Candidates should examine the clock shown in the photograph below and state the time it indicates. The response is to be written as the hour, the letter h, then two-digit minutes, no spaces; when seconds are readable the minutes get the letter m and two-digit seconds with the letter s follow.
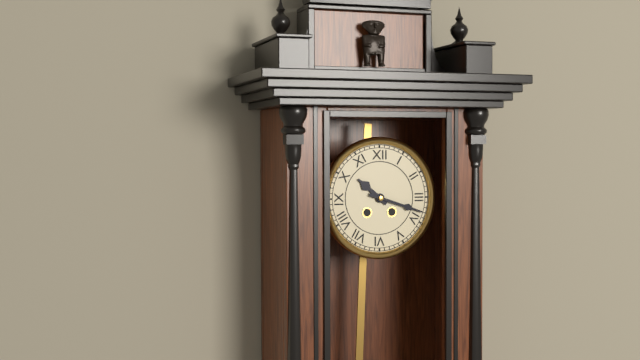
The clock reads 10h18
